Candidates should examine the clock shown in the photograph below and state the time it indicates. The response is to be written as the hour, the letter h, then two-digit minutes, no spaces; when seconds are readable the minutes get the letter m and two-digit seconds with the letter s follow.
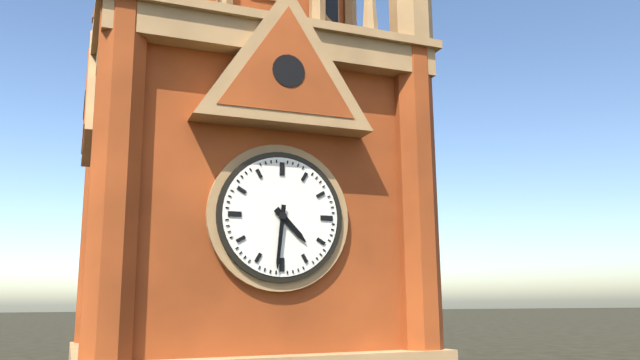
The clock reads 4h31
